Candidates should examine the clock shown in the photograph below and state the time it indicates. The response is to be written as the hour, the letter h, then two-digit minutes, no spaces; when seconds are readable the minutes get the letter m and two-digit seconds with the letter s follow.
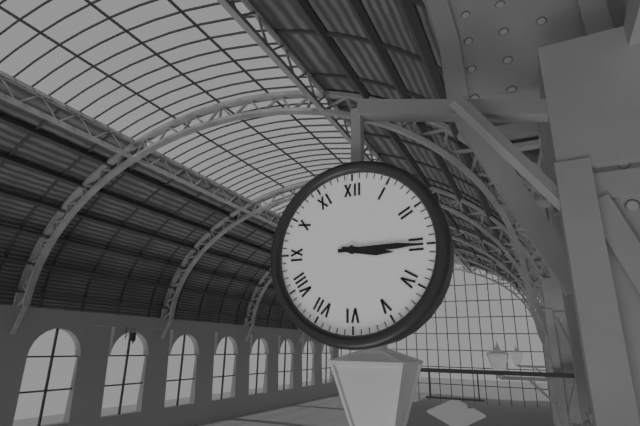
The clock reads 3h15
